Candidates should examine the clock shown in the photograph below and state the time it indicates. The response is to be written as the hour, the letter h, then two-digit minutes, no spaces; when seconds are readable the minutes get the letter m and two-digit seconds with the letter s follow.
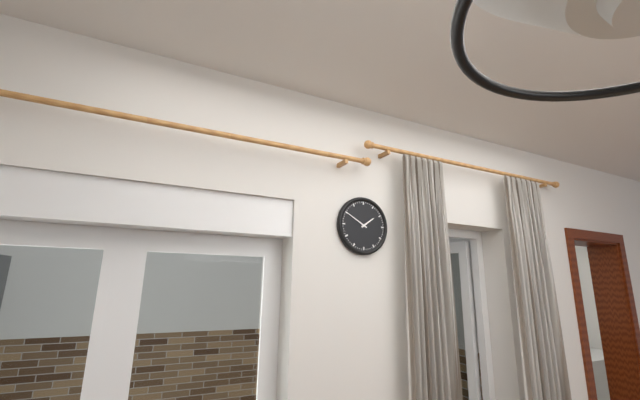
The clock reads 1h50
